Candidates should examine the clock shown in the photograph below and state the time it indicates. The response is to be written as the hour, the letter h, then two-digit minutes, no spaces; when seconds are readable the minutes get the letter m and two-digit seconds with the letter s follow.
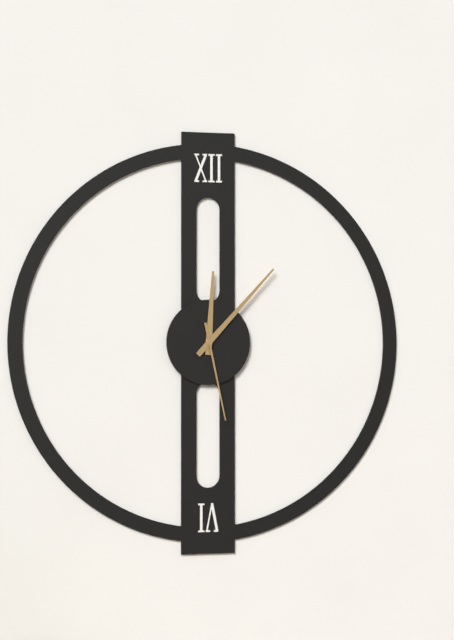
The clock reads 12h07m28s
